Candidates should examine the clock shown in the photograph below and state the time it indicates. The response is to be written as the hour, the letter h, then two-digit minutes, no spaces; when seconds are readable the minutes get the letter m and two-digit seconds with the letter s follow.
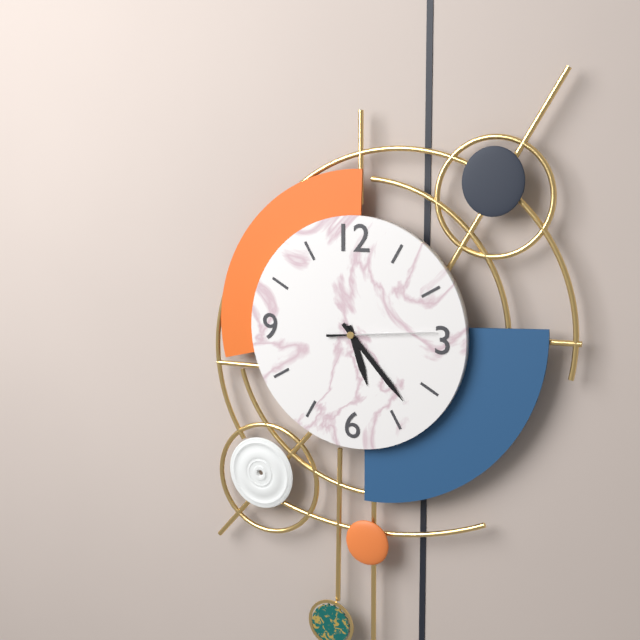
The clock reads 5h23m14s
